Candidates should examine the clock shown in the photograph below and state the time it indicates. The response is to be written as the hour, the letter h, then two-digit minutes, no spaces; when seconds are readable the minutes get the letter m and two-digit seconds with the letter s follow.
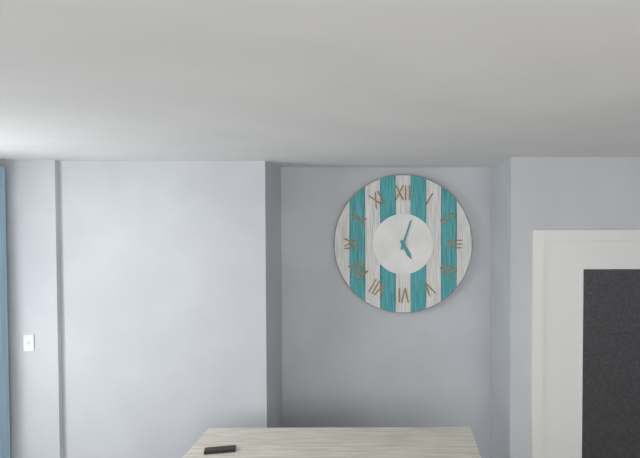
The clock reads 5h03
